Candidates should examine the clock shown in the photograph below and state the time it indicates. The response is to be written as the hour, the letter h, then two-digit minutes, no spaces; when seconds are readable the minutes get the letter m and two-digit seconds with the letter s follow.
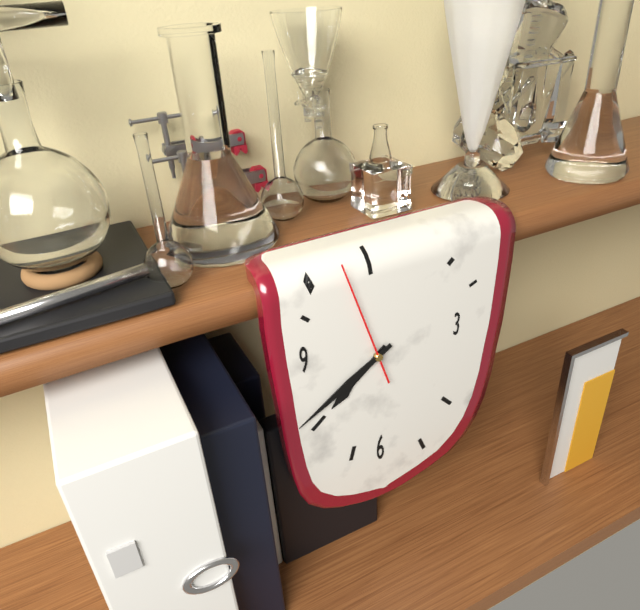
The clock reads 7h40m57s
